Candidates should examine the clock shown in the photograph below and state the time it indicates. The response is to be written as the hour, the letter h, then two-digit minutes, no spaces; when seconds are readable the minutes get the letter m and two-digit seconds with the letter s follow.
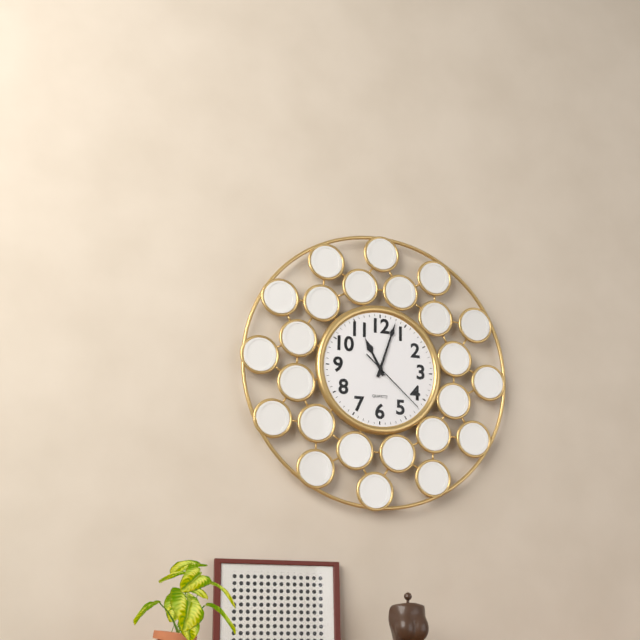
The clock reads 11h03m22s
